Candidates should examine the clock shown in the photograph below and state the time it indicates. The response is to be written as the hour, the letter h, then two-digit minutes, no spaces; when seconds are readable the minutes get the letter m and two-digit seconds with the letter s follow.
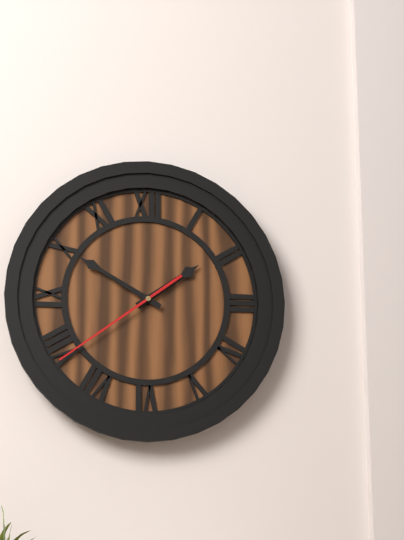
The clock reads 1h50m39s
